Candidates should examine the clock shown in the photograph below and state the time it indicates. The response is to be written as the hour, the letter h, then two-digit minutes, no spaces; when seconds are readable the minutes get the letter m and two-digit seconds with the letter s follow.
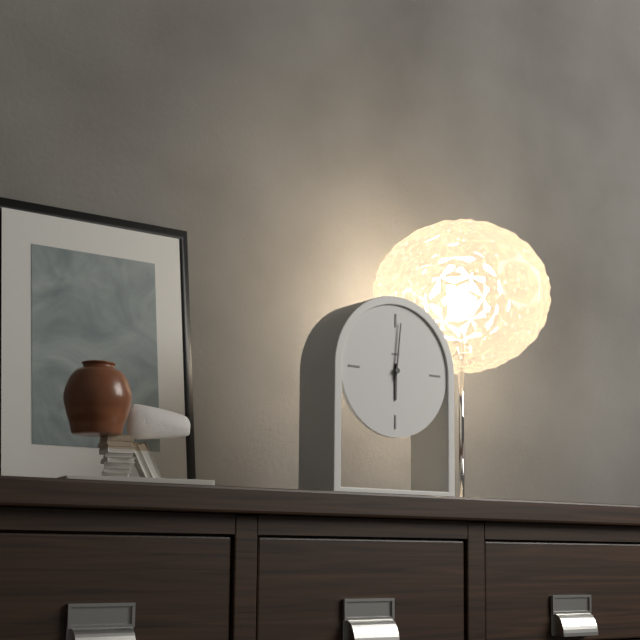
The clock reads 6h01
